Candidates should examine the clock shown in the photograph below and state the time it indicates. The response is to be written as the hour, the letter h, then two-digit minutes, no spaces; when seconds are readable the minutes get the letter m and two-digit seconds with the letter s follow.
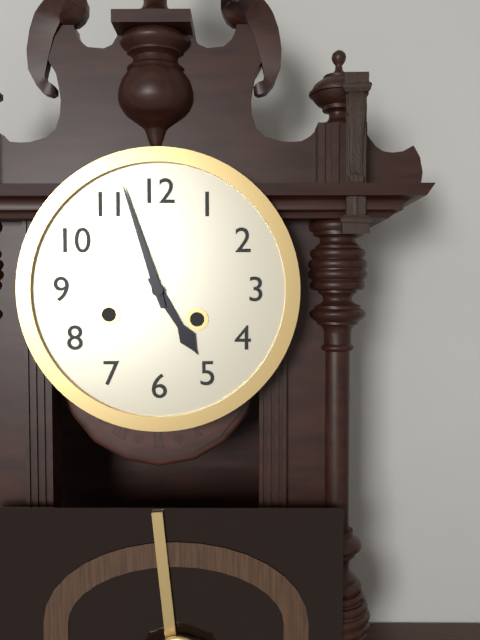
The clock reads 4h57
